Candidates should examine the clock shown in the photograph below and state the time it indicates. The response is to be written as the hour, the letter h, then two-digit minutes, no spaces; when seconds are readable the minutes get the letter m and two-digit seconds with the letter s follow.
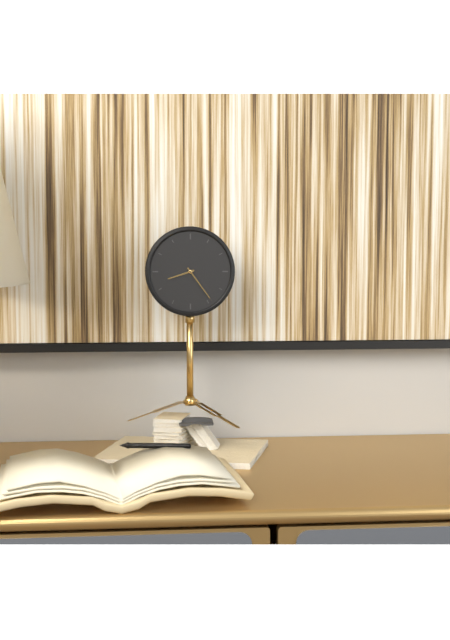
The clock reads 8h24
